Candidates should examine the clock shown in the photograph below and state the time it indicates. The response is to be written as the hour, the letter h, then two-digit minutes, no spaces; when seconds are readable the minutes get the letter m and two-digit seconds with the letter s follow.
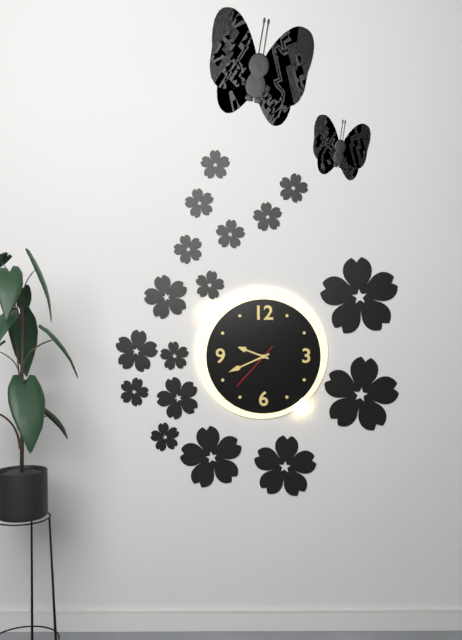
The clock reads 9h41m37s
